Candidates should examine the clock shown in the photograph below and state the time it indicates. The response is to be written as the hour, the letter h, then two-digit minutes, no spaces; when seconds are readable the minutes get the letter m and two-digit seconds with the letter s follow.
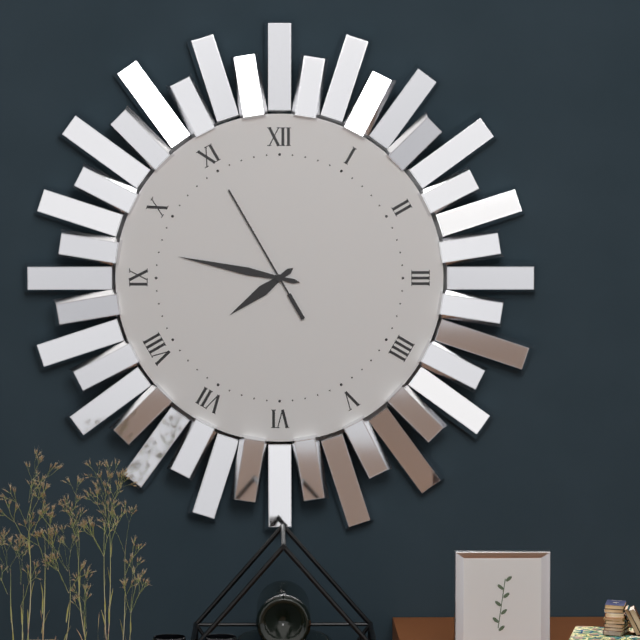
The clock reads 7h47m55s
